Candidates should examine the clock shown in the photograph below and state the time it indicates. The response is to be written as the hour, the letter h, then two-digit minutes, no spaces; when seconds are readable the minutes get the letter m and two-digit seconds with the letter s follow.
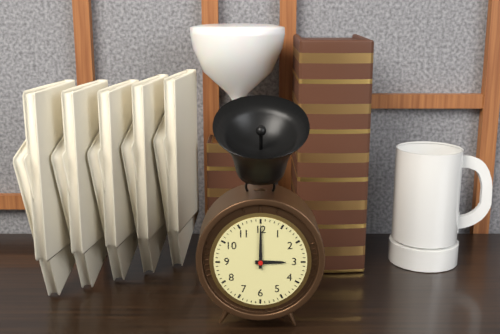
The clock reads 3h00
